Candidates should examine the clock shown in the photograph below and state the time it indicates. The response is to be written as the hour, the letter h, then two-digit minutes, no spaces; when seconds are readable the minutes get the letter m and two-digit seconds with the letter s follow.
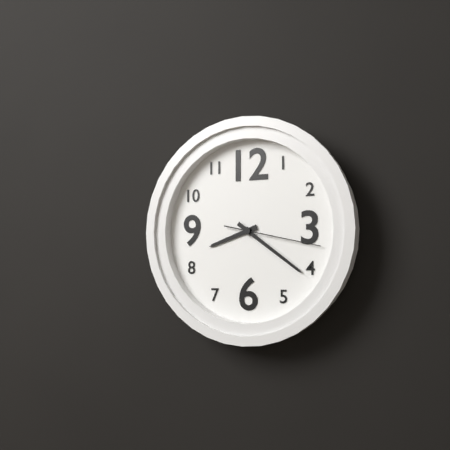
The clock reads 8h21m17s
